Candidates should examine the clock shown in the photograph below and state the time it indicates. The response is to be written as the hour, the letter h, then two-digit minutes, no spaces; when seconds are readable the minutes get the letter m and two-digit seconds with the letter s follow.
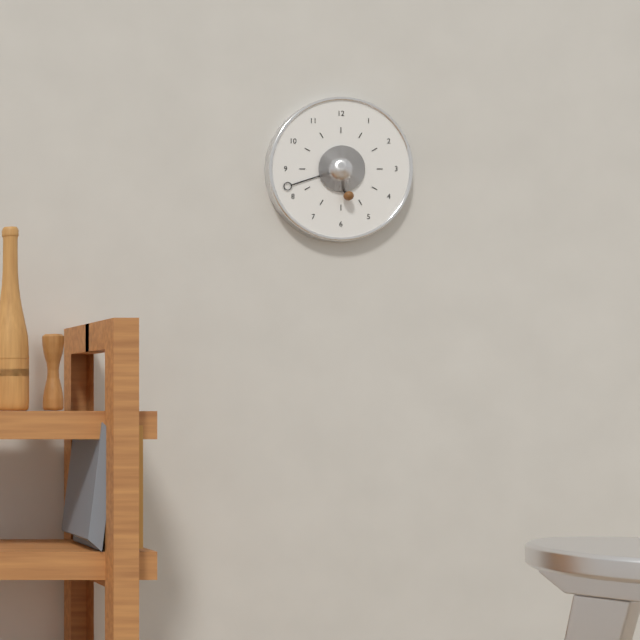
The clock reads 5h42
